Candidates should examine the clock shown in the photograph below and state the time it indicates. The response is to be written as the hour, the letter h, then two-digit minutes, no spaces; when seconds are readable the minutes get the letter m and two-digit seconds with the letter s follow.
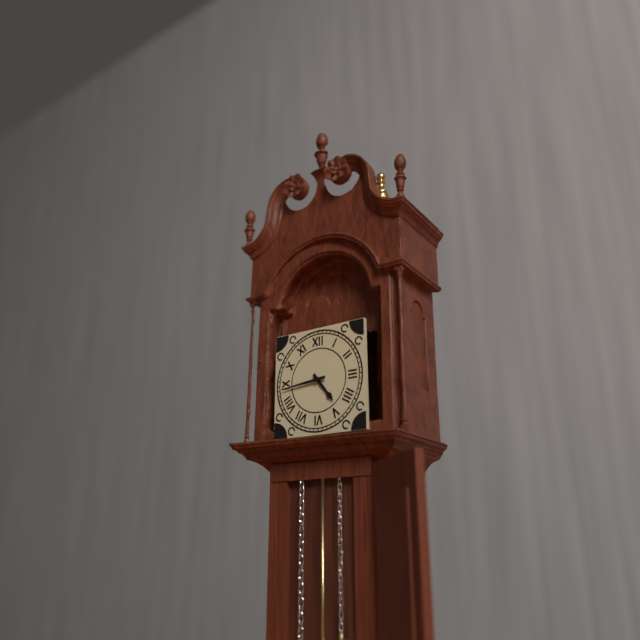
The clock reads 4h44
